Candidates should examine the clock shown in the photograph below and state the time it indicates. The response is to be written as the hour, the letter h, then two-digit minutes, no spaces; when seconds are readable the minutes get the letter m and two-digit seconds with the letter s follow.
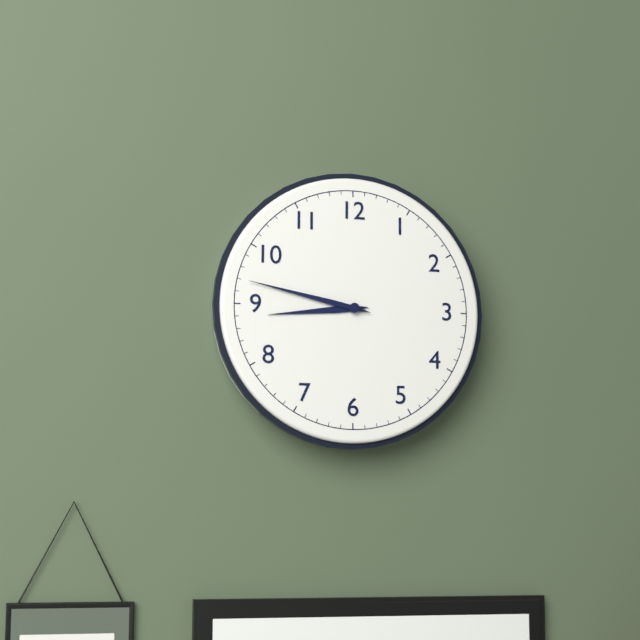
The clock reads 8h47
